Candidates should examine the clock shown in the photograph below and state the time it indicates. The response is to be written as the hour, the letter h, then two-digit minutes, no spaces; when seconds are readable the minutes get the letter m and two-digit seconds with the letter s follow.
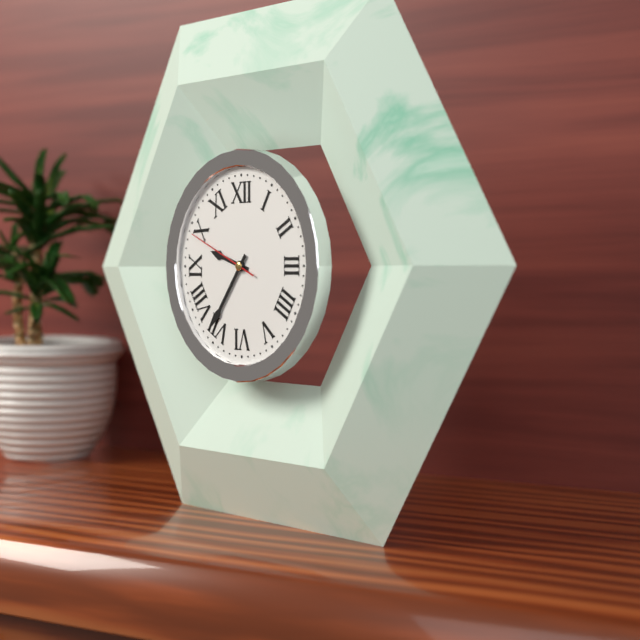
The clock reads 9h36m49s
